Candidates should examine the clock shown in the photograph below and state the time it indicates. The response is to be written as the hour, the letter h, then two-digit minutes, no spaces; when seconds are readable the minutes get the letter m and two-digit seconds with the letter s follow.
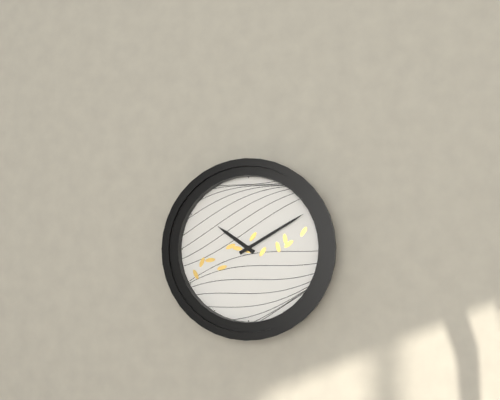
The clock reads 10h10
